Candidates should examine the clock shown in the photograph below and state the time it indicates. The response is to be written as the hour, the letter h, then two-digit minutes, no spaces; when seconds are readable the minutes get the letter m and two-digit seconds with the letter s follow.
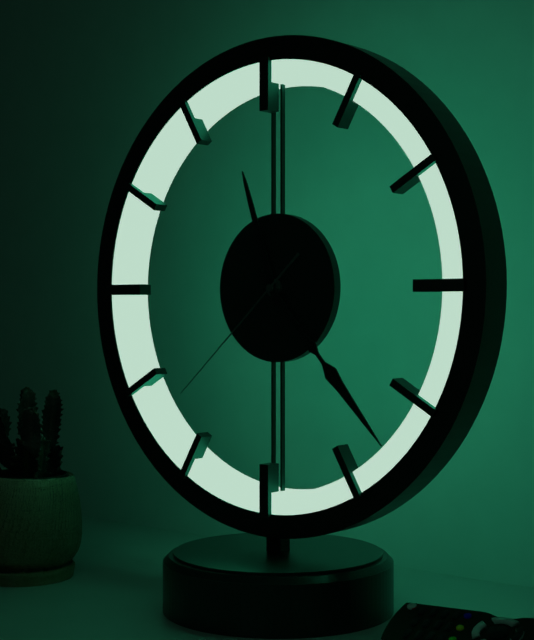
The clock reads 11h23m38s
